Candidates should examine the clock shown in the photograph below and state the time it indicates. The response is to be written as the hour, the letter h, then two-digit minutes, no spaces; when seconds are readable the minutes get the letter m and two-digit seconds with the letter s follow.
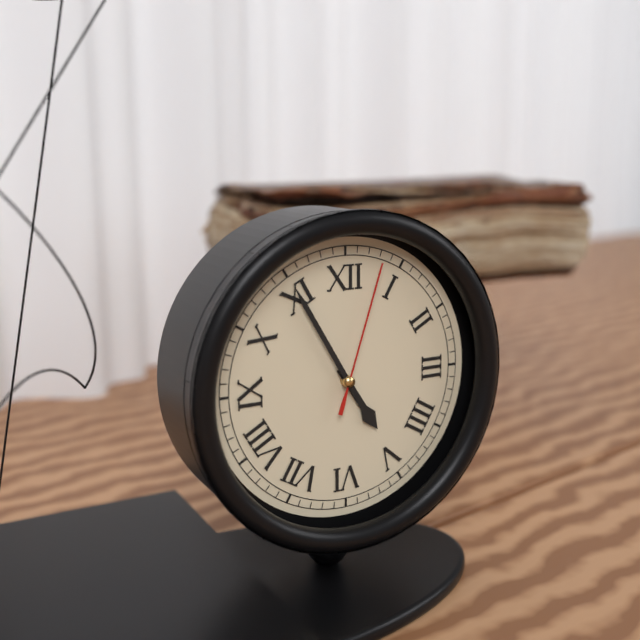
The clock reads 4h55m03s
